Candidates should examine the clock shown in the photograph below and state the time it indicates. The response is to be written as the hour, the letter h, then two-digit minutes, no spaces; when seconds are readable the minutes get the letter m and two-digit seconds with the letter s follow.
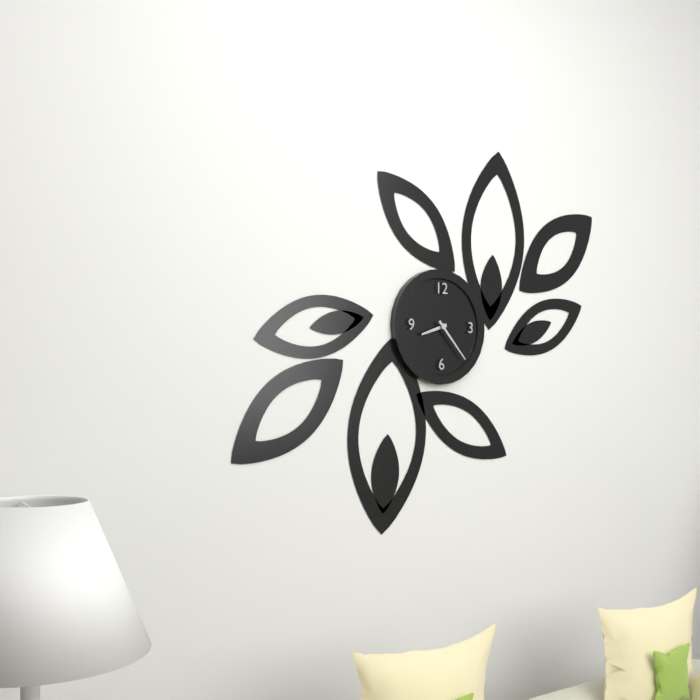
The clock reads 8h23
